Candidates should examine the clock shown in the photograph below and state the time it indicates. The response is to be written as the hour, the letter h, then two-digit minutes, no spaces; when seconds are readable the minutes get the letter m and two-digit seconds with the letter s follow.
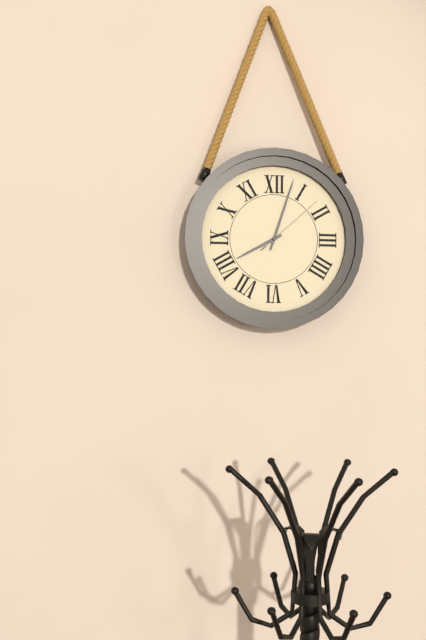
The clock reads 8h03m08s
